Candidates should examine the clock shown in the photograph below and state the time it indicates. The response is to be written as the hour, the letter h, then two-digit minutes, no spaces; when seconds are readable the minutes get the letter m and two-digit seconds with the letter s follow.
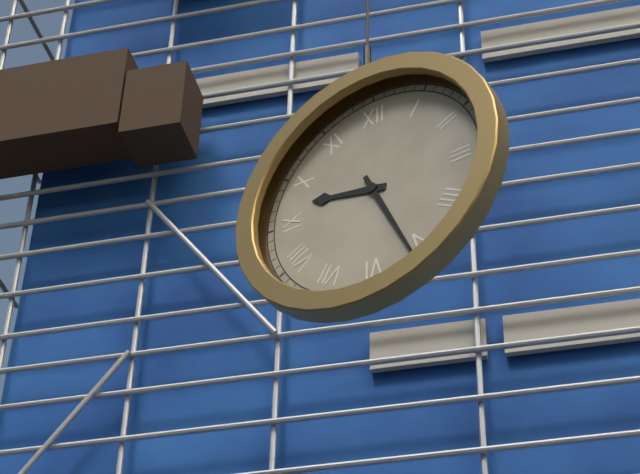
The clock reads 9h26
